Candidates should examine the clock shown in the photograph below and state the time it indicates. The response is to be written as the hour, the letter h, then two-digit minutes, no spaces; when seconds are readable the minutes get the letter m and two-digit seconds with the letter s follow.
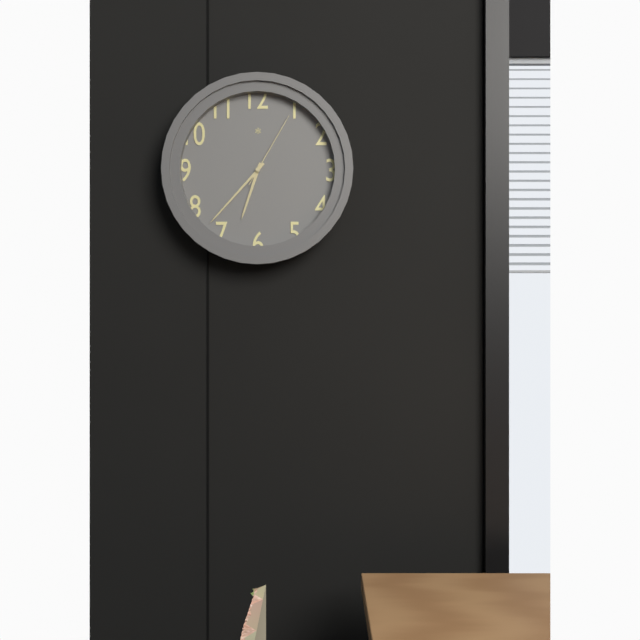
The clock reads 6h37m05s
